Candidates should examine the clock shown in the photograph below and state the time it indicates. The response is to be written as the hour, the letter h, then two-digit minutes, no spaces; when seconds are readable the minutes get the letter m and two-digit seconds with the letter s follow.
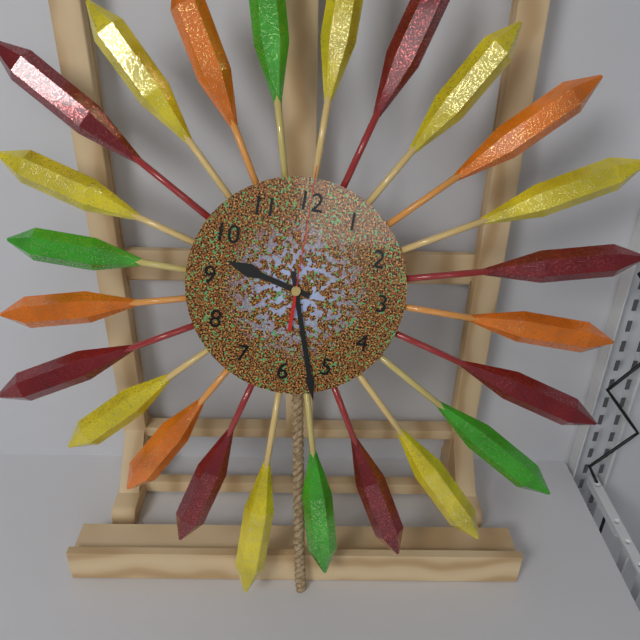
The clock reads 9h27m00s
